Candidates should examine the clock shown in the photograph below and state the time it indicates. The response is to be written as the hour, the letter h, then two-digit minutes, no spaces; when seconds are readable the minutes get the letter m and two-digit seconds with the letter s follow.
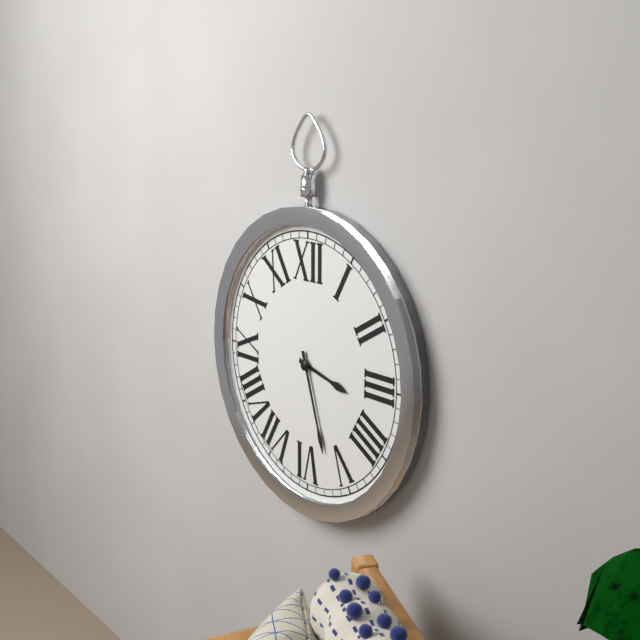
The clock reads 3h27
